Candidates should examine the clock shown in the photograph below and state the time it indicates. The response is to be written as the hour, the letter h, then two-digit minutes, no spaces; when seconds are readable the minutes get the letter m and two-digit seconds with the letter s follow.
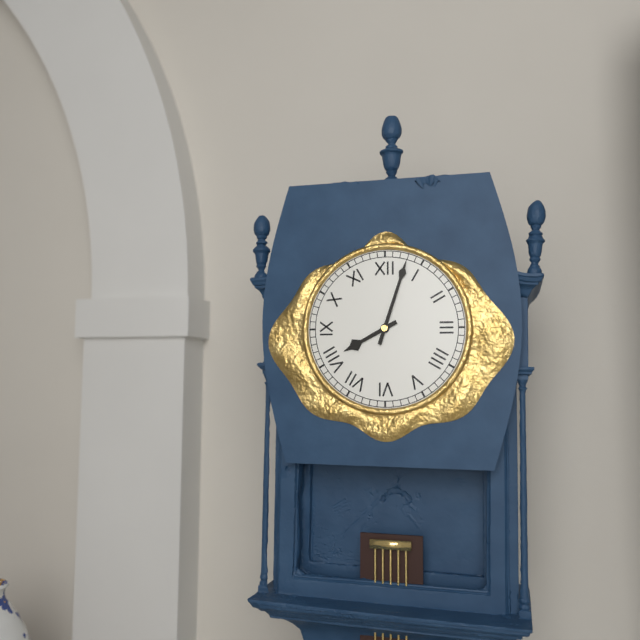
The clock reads 8h03
